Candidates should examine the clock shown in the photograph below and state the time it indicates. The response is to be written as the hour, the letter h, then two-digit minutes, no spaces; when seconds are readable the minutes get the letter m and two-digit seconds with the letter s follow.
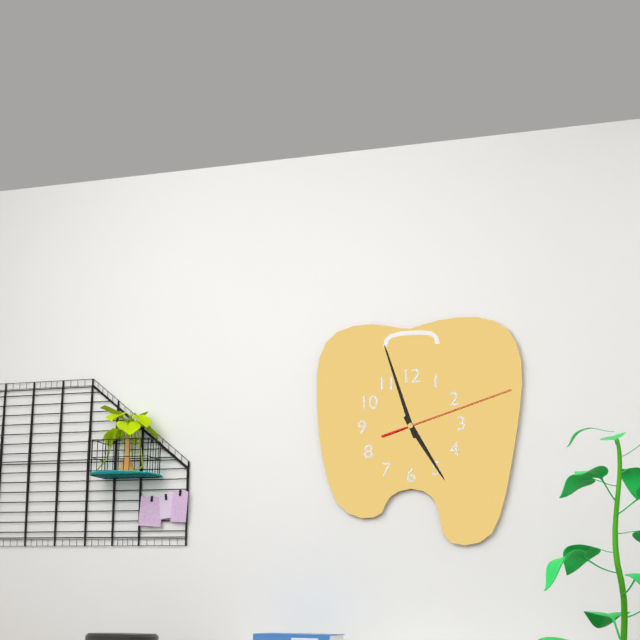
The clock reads 4h57m12s
